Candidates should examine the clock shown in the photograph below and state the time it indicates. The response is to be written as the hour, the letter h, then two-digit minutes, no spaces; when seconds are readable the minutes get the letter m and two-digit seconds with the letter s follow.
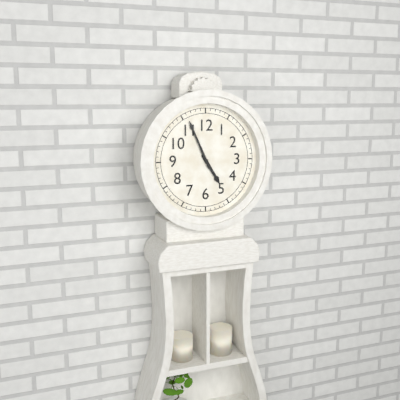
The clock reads 4h56
